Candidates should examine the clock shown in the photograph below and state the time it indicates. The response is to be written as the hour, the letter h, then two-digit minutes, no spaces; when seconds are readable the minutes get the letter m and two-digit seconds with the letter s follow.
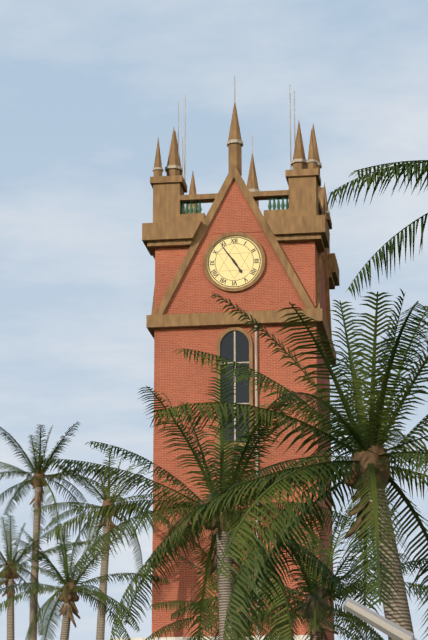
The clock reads 4h54
